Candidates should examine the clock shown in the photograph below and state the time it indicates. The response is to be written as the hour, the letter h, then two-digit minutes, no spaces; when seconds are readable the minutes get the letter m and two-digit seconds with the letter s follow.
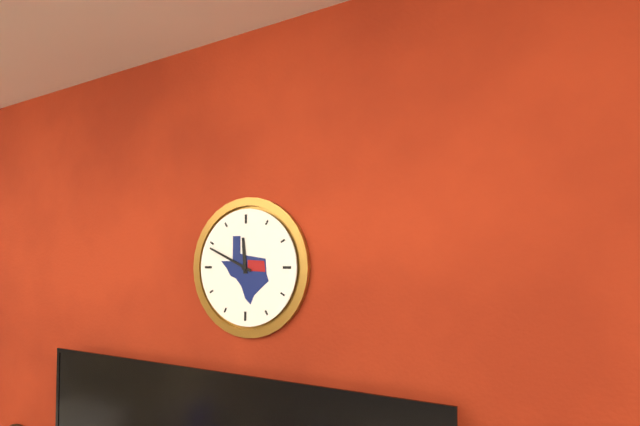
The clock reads 11h49
